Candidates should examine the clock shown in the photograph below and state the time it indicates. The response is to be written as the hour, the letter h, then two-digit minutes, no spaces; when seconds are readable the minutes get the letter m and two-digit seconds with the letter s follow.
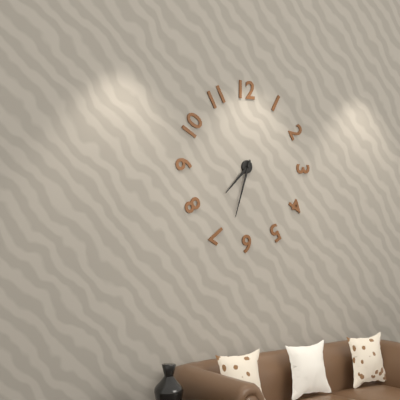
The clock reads 7h33
